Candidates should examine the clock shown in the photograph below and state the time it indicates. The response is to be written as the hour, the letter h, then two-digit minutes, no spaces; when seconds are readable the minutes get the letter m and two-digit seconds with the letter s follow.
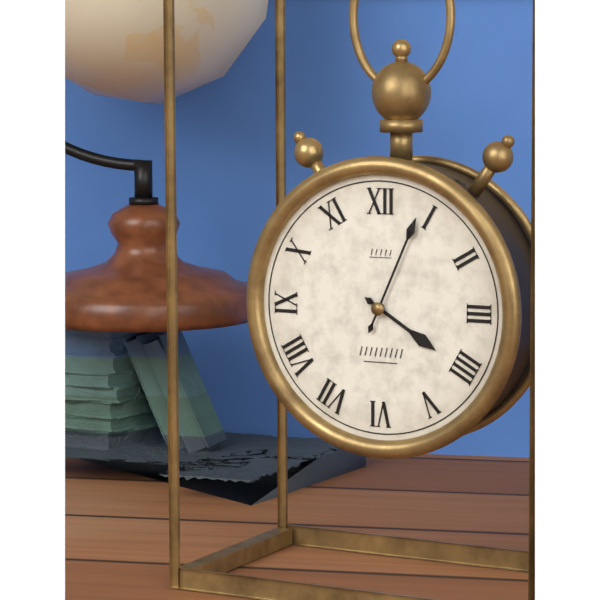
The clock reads 4h04
